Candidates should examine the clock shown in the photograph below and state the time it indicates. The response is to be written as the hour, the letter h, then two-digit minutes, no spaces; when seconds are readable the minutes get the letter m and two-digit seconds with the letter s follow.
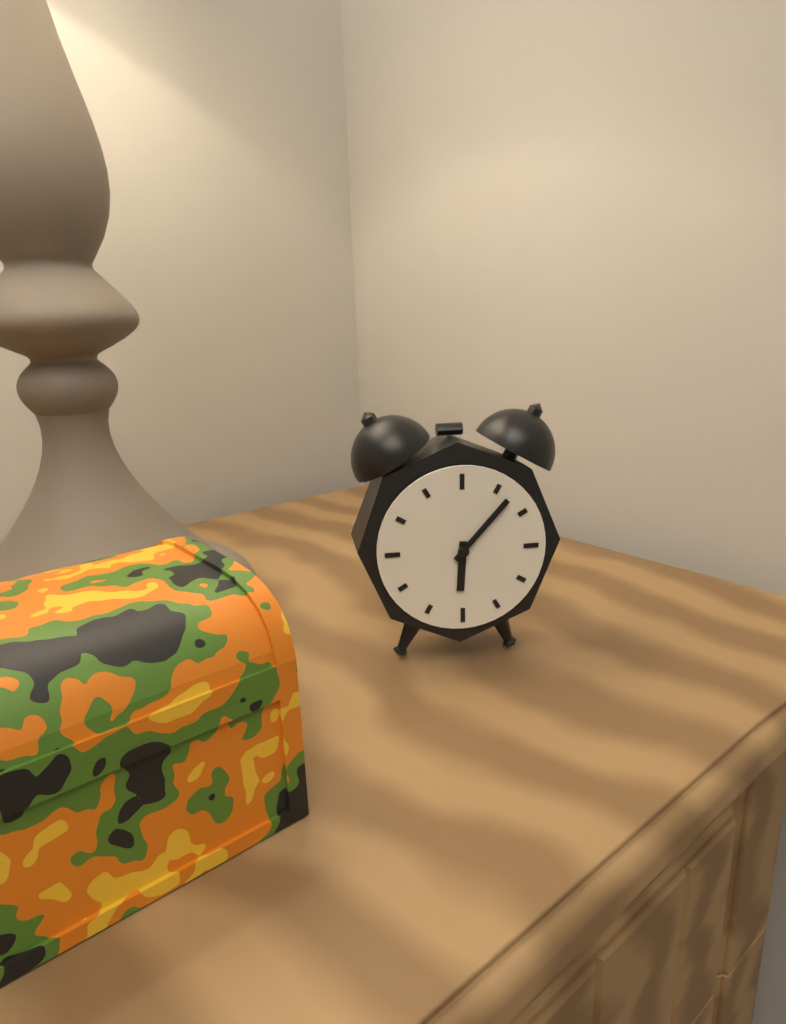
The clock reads 6h07
